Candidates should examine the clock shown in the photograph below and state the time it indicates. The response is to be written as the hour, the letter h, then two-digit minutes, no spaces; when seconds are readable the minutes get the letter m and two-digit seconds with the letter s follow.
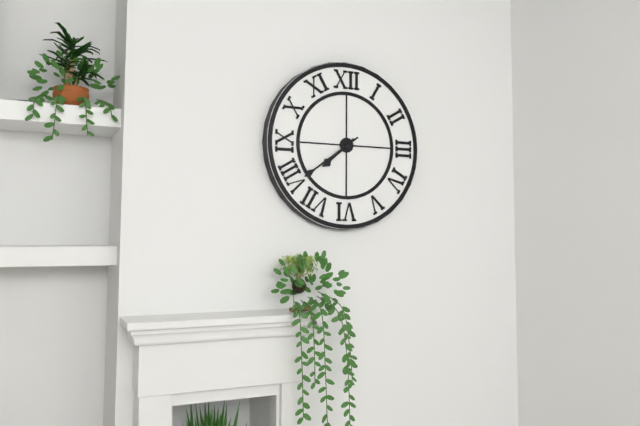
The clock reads 7h39
